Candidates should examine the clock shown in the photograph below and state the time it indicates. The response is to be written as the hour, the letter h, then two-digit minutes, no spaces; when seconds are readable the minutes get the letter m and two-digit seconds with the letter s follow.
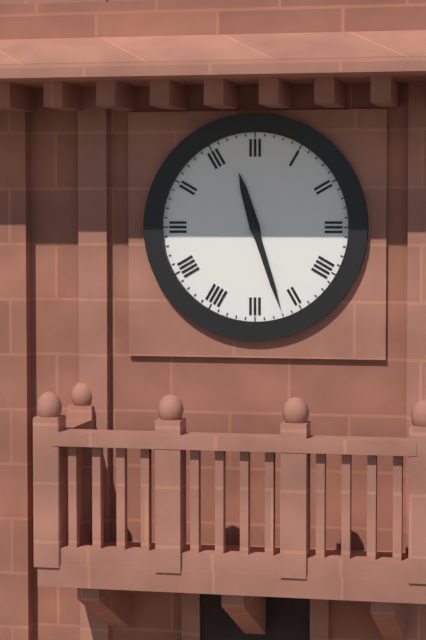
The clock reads 11h27
